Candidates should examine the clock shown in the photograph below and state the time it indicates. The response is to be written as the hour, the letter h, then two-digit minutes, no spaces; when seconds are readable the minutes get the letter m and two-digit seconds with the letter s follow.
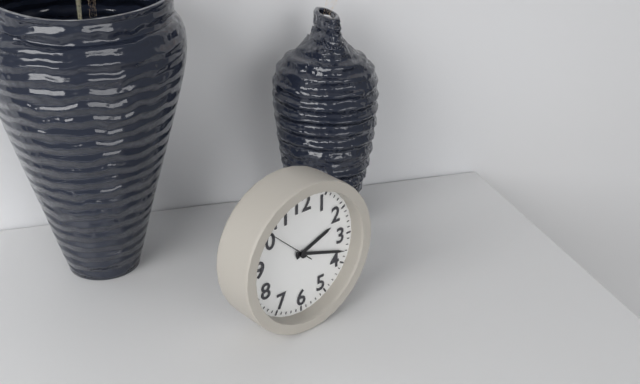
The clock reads 2h18
